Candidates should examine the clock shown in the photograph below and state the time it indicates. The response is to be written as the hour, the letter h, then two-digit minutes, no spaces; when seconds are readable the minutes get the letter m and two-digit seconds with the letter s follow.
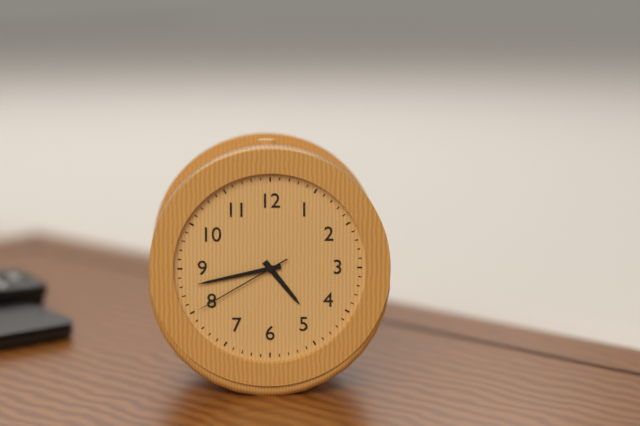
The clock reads 4h43m40s
